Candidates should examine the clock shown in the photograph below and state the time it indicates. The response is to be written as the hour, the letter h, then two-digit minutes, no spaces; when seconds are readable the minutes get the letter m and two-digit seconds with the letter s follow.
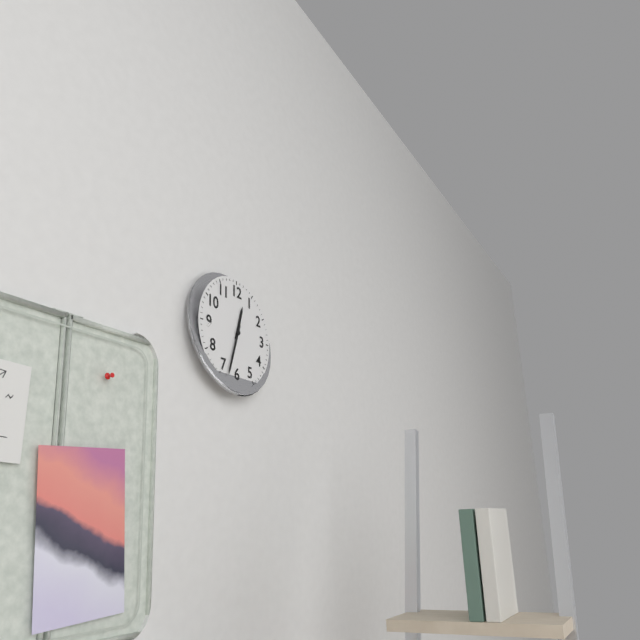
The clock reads 12h33
